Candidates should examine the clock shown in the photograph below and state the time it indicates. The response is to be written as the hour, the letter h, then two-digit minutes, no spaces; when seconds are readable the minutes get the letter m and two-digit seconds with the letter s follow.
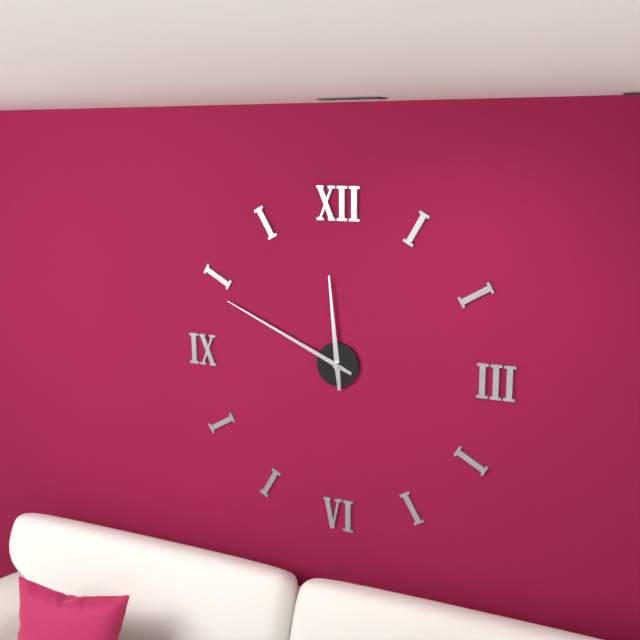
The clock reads 11h49
